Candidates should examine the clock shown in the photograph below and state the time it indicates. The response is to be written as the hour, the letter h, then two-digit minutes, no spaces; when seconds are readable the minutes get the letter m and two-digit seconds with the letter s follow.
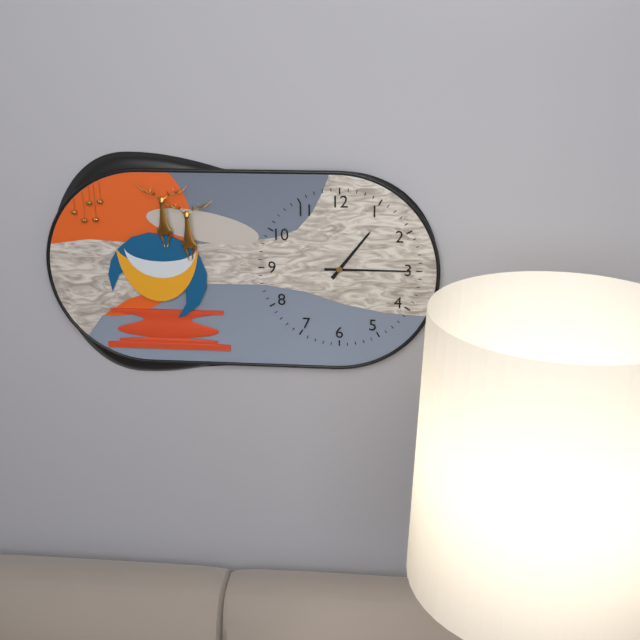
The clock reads 1h15
